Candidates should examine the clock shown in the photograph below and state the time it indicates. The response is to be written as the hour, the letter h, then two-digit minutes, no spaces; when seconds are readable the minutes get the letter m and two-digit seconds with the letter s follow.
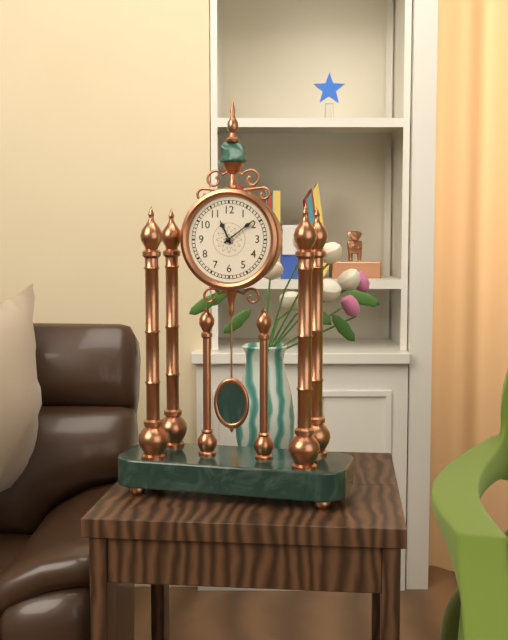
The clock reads 11h09
